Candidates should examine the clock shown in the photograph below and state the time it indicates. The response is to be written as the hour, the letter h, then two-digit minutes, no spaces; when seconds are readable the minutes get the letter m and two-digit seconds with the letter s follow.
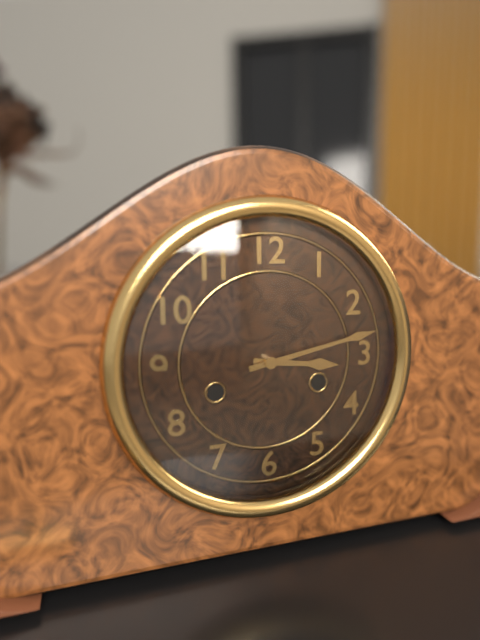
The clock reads 3h13
